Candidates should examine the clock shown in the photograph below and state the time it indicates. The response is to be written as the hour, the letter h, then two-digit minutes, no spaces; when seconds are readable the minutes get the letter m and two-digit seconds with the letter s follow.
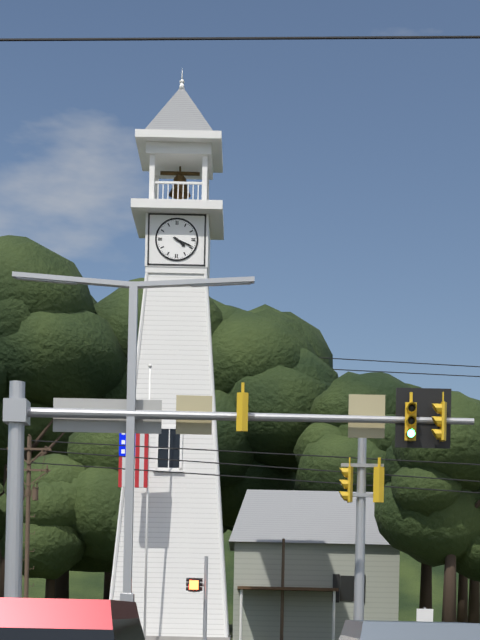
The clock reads 4h19
